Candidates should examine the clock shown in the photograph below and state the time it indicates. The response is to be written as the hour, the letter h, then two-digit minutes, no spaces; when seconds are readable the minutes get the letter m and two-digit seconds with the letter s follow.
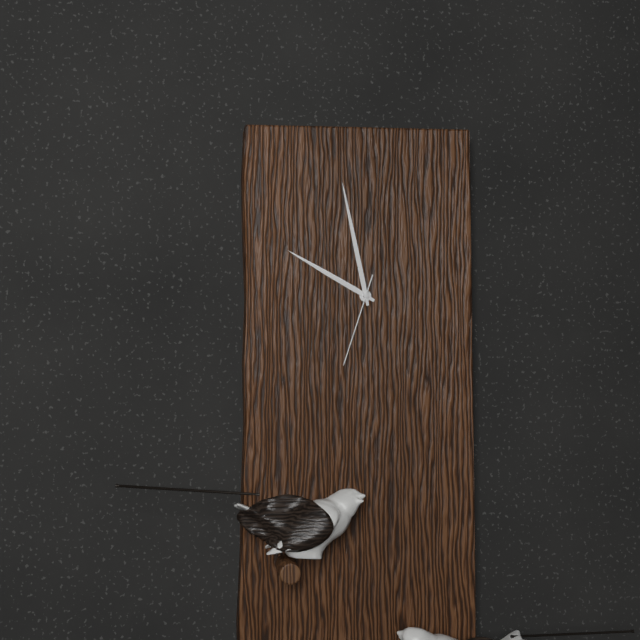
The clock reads 9h58m33s
